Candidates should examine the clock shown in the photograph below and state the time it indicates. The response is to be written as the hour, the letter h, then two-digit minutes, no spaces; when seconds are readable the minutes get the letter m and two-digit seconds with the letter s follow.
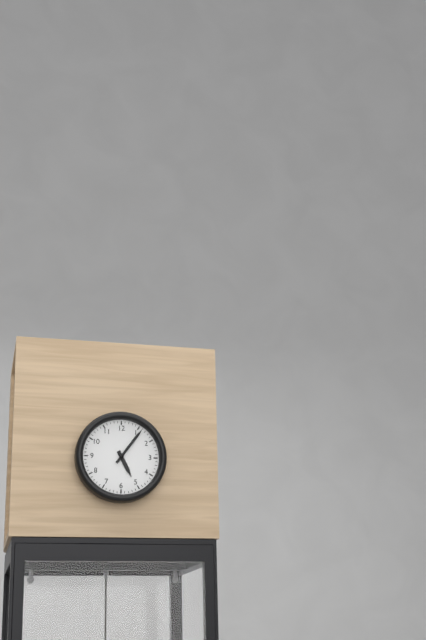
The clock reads 5h06
